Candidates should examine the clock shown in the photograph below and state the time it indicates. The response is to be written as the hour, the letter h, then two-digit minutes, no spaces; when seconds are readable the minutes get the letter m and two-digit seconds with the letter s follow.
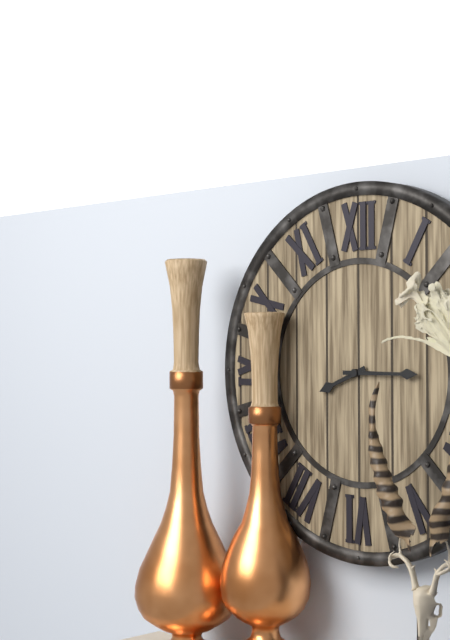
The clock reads 8h15
